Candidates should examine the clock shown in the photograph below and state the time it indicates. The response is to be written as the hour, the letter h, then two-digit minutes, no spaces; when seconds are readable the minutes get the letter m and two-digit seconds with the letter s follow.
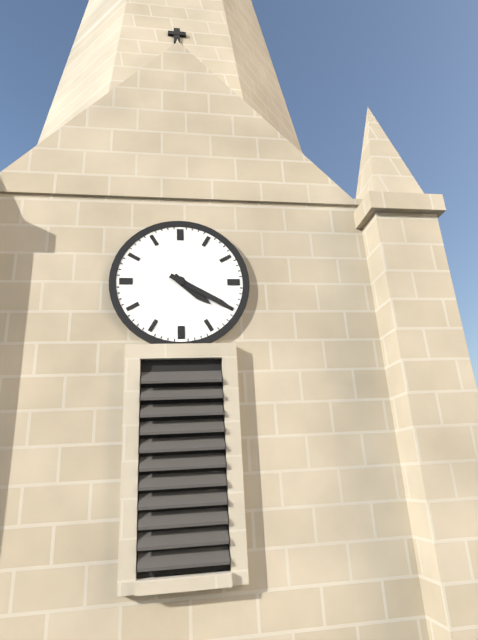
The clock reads 4h20
